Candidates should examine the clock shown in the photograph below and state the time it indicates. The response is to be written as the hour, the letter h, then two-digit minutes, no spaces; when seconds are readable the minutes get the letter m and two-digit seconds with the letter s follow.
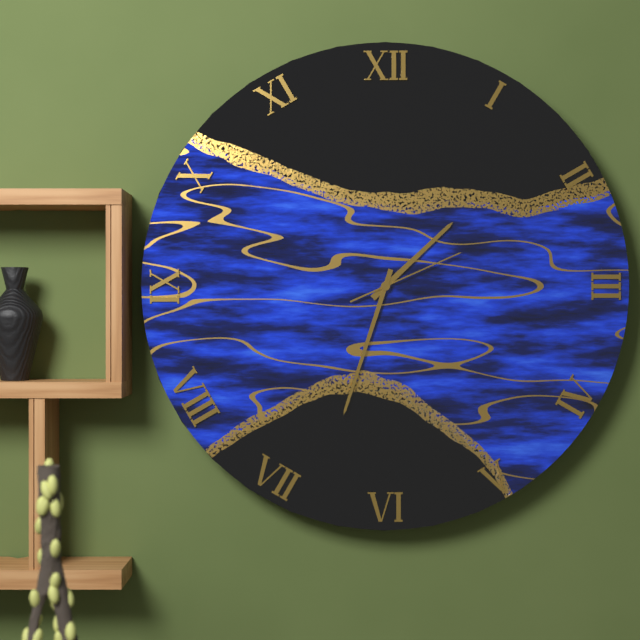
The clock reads 1h33m11s
